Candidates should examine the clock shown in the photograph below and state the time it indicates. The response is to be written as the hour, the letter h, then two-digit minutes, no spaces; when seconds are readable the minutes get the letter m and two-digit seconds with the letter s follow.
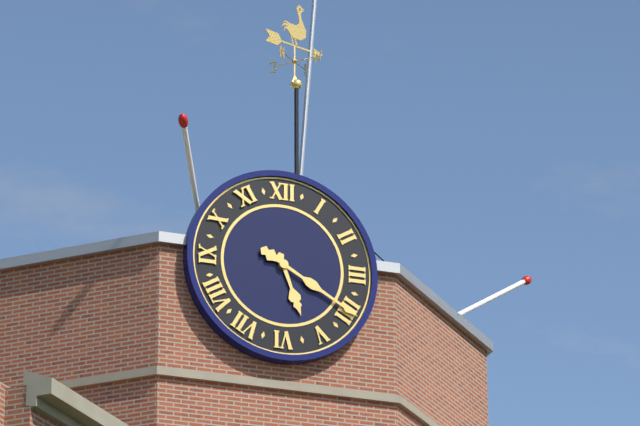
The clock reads 5h20
